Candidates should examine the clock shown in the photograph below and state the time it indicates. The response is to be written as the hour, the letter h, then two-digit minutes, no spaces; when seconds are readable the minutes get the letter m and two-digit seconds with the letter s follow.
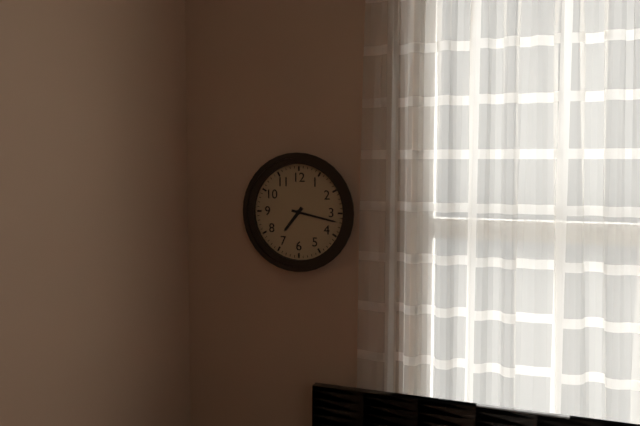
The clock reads 7h17
